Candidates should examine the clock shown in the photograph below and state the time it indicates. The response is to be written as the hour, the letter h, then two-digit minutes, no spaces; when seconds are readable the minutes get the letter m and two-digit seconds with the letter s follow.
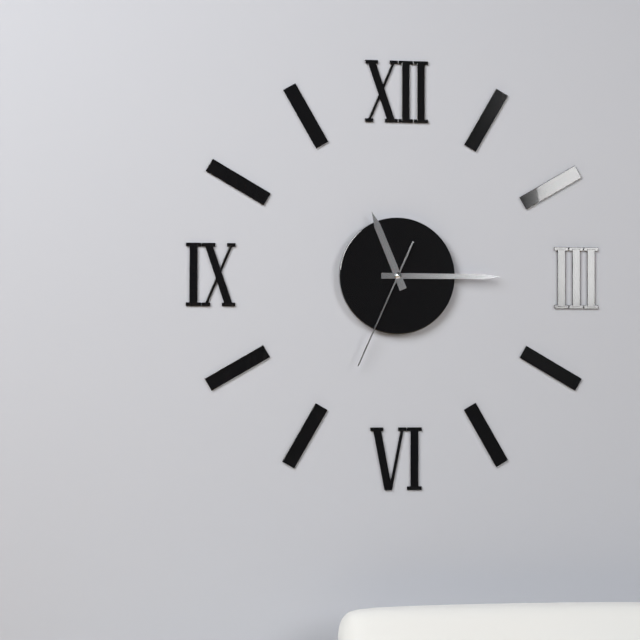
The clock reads 11h15m34s
